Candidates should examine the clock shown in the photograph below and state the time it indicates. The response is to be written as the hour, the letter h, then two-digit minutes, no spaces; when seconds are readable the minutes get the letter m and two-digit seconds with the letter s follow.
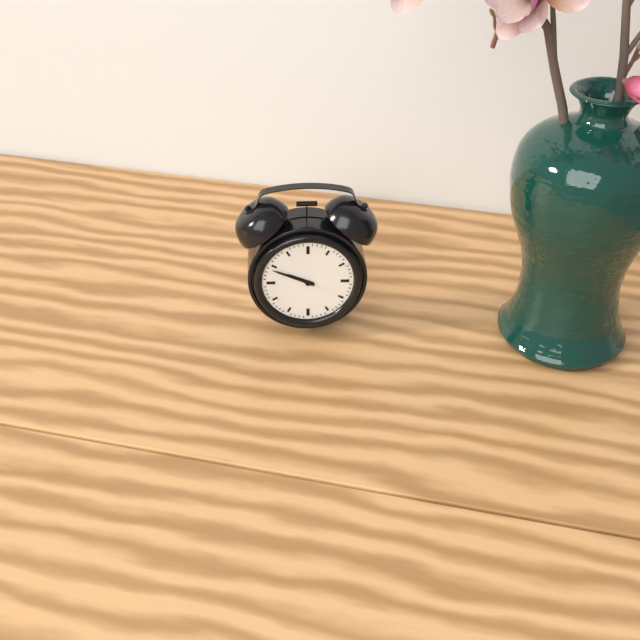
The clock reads 9h49
